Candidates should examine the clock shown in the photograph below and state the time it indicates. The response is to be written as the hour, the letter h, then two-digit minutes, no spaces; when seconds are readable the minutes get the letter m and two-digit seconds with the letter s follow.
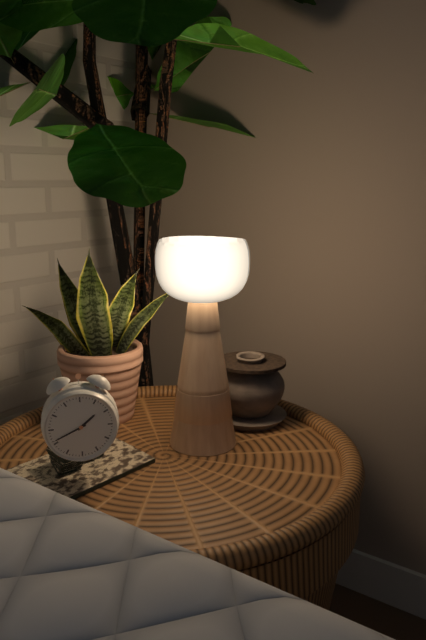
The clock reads 1h41
